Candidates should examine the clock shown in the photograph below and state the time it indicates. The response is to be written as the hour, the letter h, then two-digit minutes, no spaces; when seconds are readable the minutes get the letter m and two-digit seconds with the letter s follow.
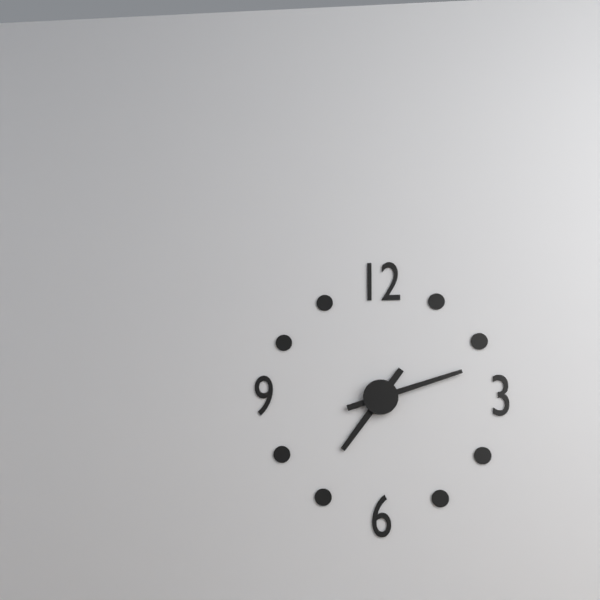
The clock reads 7h12
